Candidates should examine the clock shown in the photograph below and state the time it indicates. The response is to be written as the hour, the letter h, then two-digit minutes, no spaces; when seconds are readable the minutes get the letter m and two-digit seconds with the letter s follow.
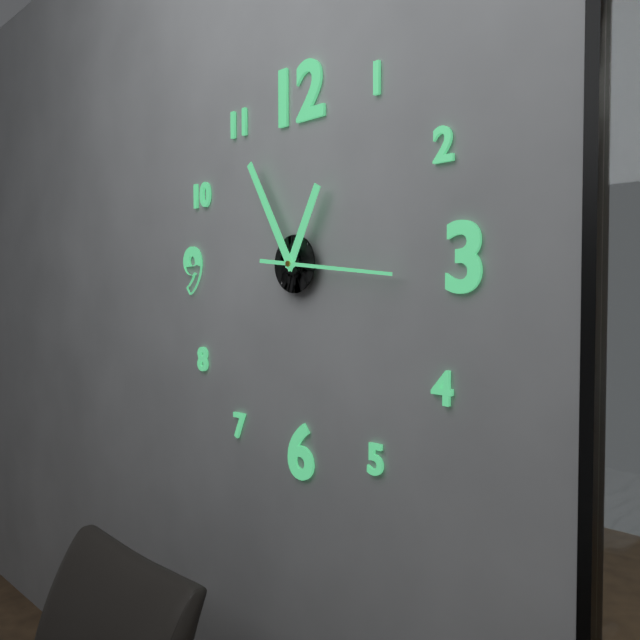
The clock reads 12h55m16s
